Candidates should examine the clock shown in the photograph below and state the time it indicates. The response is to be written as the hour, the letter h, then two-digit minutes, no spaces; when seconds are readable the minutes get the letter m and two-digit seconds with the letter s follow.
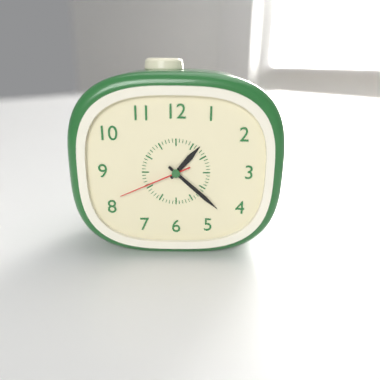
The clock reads 1h22m41s
